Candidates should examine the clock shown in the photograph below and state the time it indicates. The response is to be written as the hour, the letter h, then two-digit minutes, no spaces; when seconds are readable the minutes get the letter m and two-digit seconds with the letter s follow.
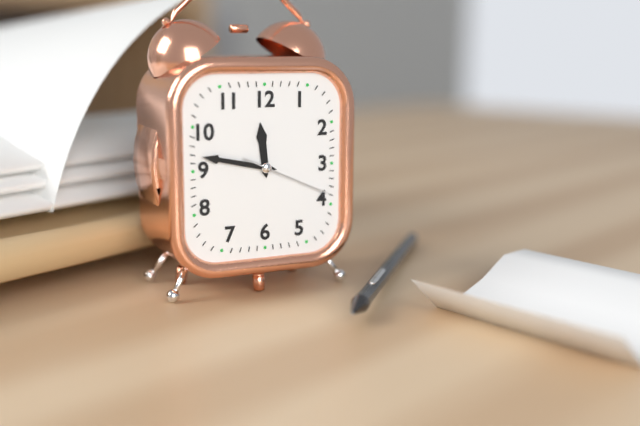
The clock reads 11h47m19s
